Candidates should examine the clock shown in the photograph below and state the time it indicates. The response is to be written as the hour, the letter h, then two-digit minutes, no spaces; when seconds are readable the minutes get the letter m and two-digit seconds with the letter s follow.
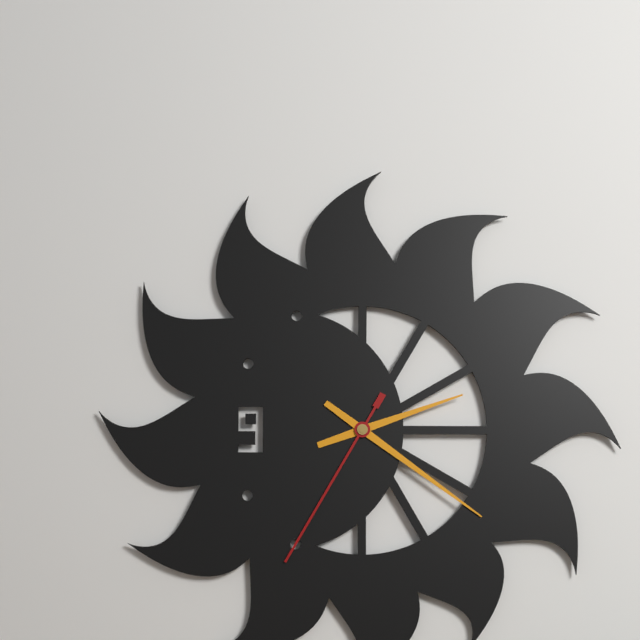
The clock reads 2h21m35s
